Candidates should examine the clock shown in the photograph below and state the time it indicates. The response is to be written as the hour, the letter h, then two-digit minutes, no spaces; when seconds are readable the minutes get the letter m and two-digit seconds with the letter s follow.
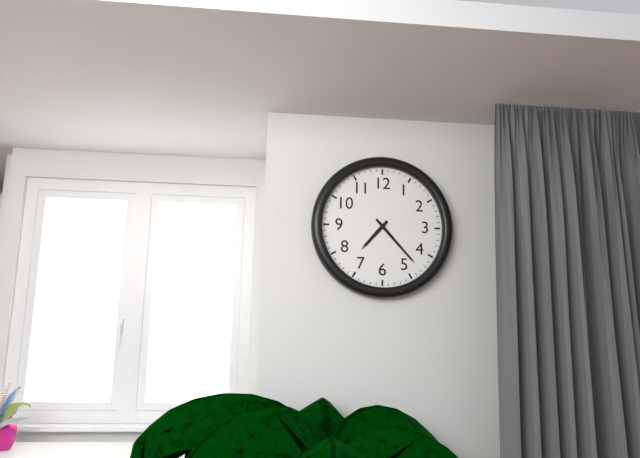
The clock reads 7h23
